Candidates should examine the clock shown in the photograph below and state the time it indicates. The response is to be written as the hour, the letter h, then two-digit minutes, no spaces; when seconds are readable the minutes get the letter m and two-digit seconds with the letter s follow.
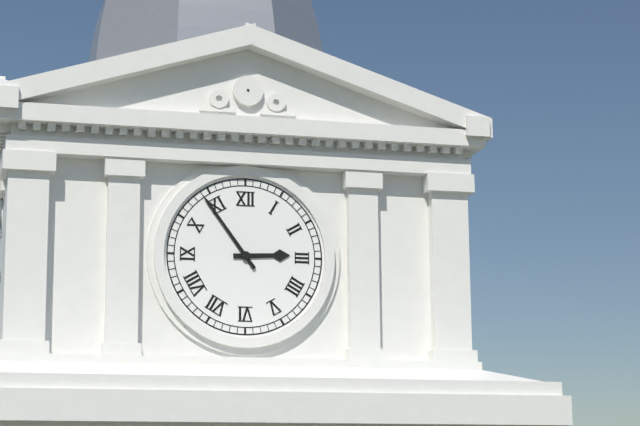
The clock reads 2h54
